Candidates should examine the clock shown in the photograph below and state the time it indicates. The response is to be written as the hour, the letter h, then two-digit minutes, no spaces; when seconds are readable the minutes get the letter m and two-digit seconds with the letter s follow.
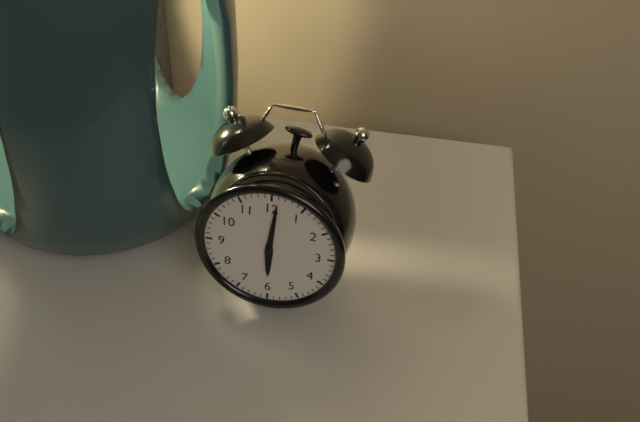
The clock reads 6h01
